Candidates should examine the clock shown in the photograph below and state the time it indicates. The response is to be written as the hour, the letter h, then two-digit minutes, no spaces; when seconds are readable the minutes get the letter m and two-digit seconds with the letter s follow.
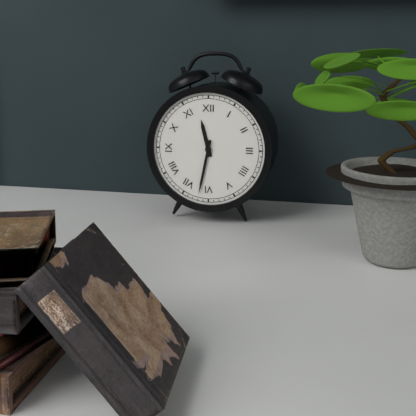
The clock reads 11h32
